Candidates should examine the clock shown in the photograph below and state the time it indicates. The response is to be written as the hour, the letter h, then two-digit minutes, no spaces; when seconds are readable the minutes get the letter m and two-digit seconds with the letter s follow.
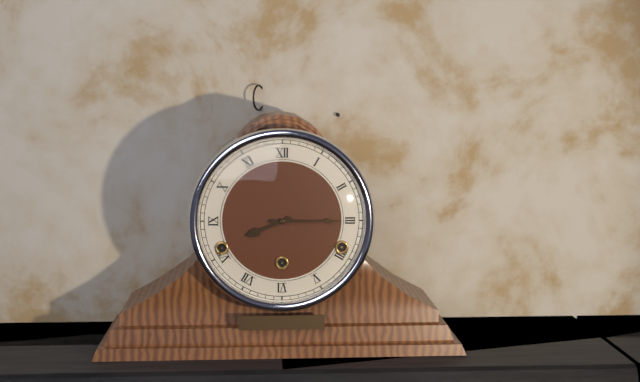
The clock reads 8h15
